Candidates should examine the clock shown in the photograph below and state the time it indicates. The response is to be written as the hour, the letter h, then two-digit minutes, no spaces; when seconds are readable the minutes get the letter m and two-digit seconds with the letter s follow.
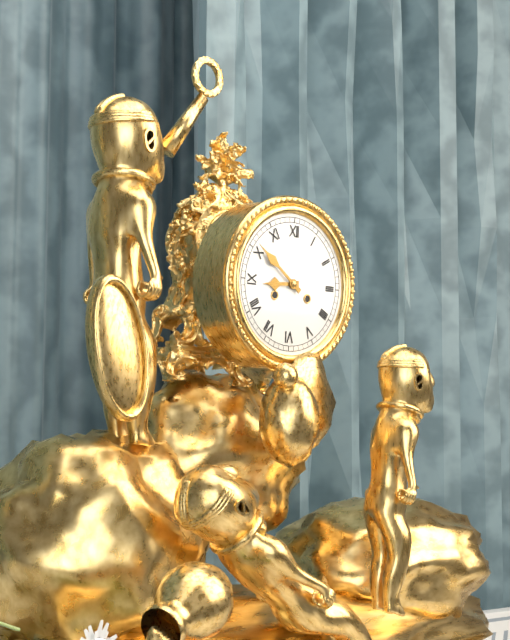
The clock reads 8h51
